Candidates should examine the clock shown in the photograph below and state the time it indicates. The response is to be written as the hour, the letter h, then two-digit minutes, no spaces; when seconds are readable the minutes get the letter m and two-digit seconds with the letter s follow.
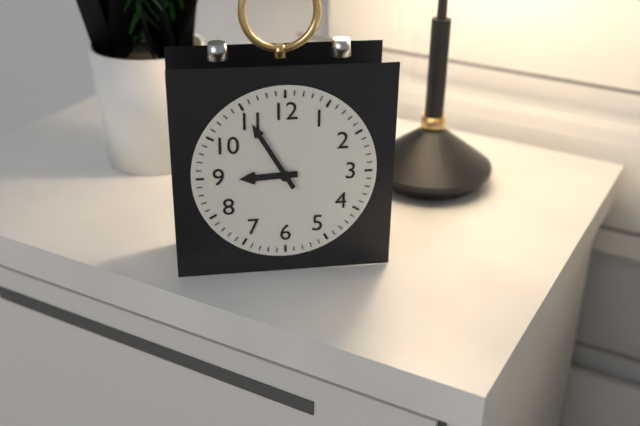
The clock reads 8h55
